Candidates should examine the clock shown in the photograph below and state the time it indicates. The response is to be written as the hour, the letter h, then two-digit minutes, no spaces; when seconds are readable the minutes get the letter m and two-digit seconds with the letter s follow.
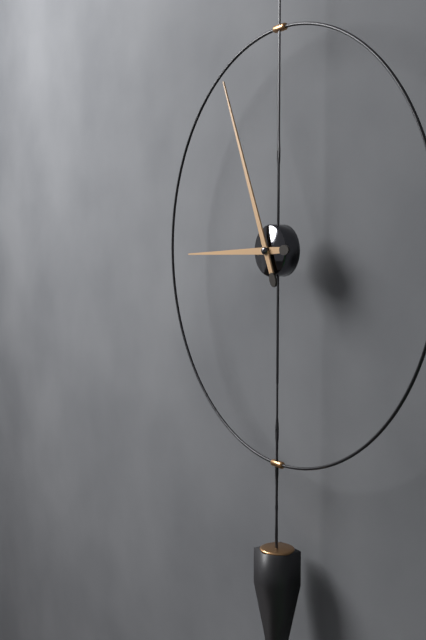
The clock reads 8h56
